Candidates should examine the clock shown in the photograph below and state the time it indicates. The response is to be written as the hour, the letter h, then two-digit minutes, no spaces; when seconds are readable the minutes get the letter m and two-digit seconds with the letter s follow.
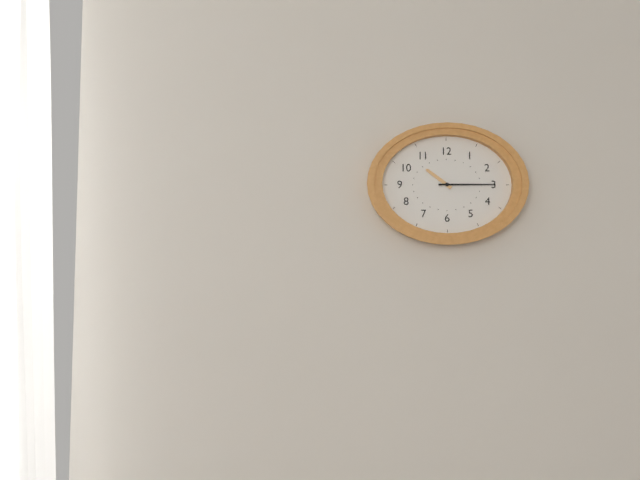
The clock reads 10h15
